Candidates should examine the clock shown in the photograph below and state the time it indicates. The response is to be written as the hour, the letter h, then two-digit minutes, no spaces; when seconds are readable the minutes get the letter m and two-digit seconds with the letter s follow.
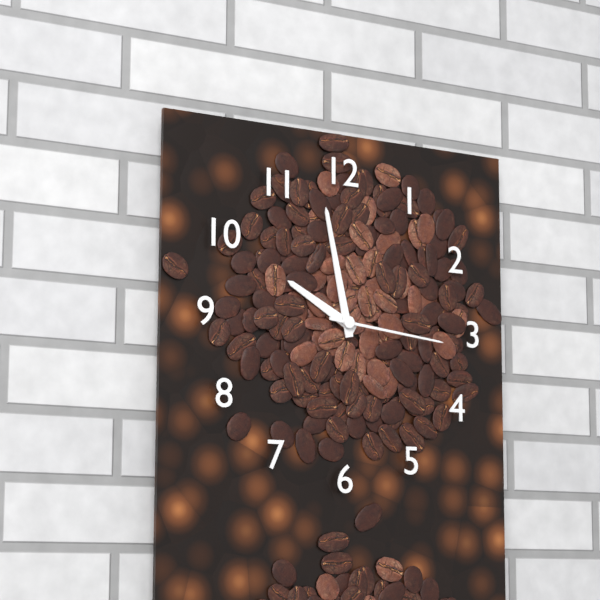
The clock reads 9h58m16s
